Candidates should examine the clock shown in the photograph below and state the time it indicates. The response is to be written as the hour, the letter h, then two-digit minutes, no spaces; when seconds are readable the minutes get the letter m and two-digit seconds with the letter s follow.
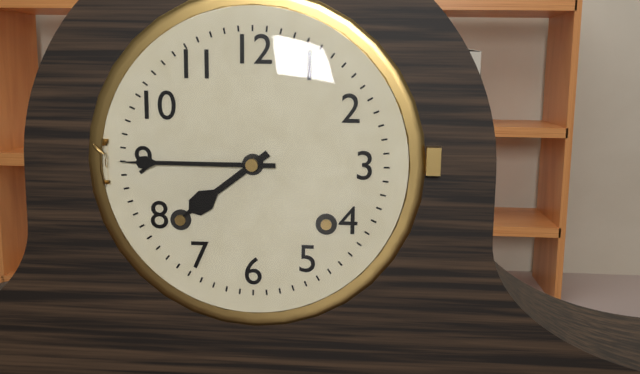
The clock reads 7h45
